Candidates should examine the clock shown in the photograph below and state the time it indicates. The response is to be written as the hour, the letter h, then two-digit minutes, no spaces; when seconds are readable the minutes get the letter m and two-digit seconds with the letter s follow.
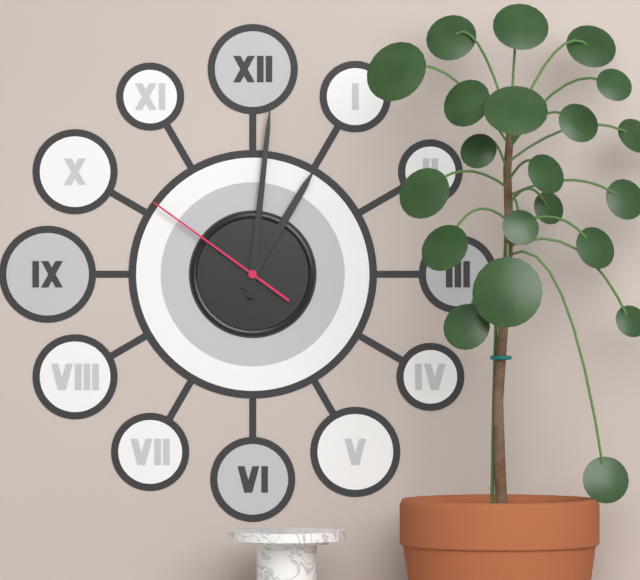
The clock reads 1h01m51s
